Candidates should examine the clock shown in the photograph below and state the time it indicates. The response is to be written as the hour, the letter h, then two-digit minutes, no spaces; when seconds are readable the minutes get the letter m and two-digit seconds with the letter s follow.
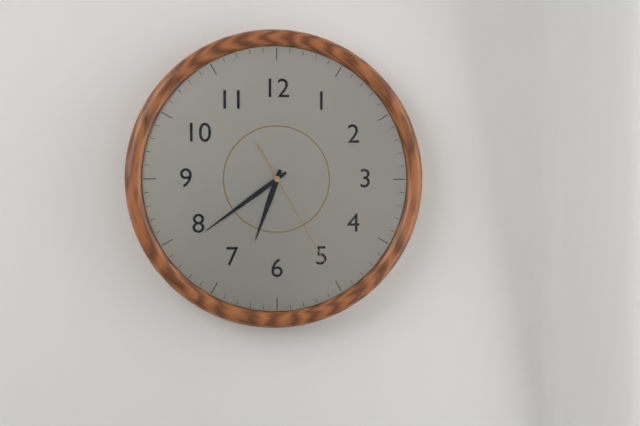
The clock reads 6h39m25s
